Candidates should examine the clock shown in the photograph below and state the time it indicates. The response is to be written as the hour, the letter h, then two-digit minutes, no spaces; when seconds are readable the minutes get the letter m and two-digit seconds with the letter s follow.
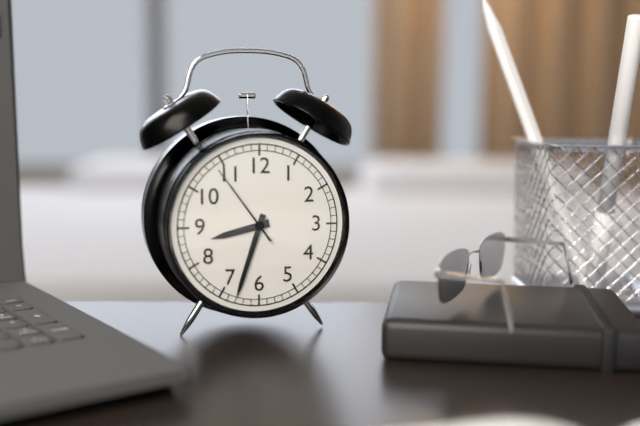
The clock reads 8h33m54s
